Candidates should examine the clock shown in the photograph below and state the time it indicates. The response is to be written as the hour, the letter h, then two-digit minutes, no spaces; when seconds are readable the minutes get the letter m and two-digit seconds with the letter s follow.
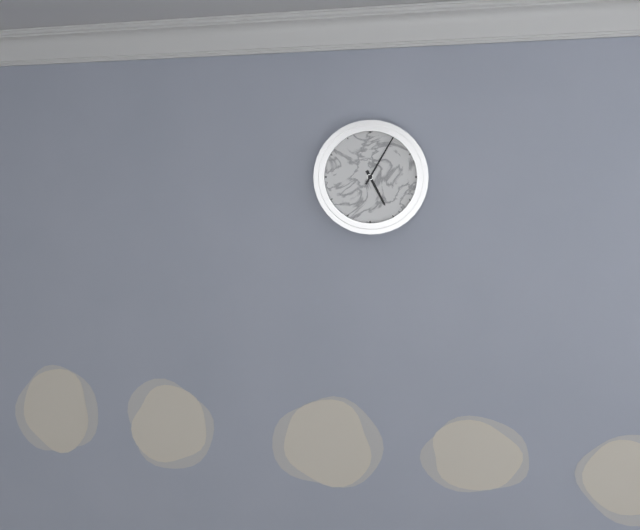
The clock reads 5h05
